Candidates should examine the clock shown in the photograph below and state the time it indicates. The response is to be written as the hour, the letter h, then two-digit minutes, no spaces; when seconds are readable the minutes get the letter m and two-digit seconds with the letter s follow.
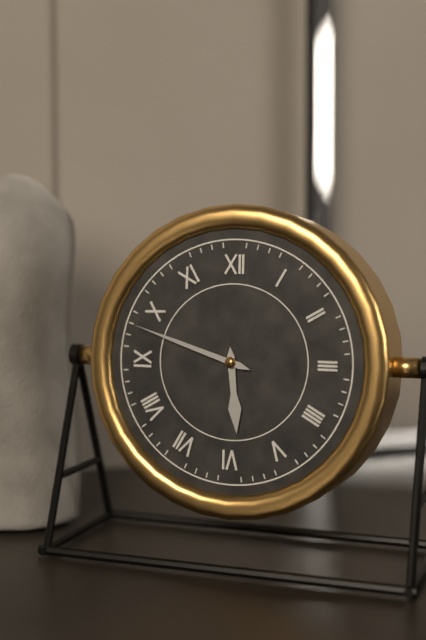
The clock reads 5h48
